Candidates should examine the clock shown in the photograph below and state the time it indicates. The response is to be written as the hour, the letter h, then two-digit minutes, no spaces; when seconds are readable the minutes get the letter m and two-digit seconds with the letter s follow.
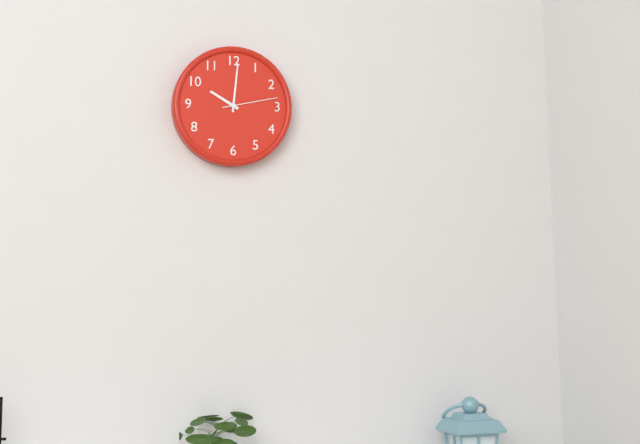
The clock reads 10h01m13s
